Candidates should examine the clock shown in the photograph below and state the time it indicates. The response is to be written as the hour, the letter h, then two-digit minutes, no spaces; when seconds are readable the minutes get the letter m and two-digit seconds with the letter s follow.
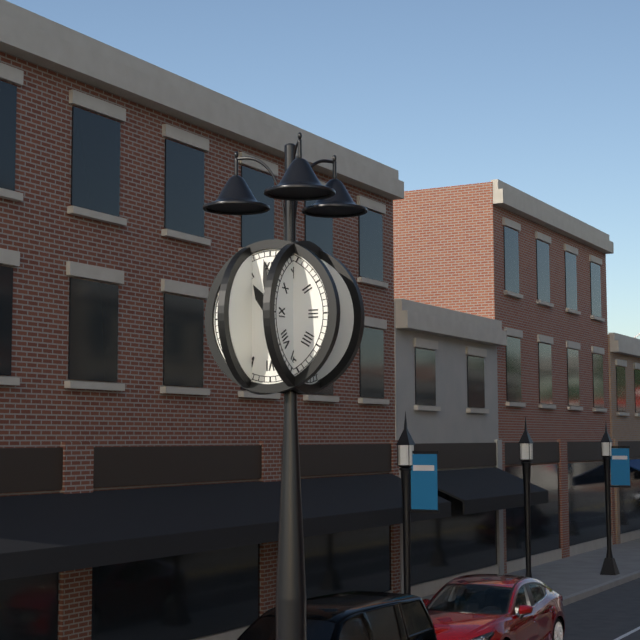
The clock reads 10h59
